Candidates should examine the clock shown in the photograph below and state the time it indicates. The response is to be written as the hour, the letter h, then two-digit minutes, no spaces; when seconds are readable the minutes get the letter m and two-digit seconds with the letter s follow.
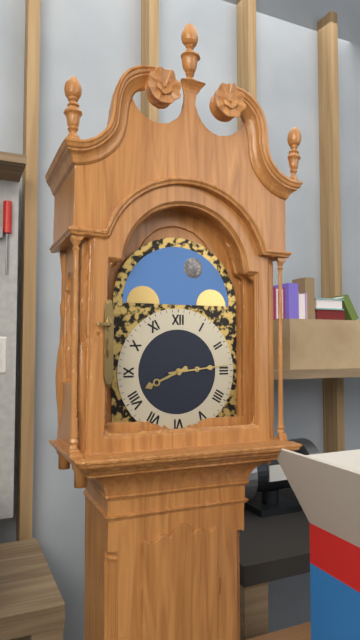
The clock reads 8h14
